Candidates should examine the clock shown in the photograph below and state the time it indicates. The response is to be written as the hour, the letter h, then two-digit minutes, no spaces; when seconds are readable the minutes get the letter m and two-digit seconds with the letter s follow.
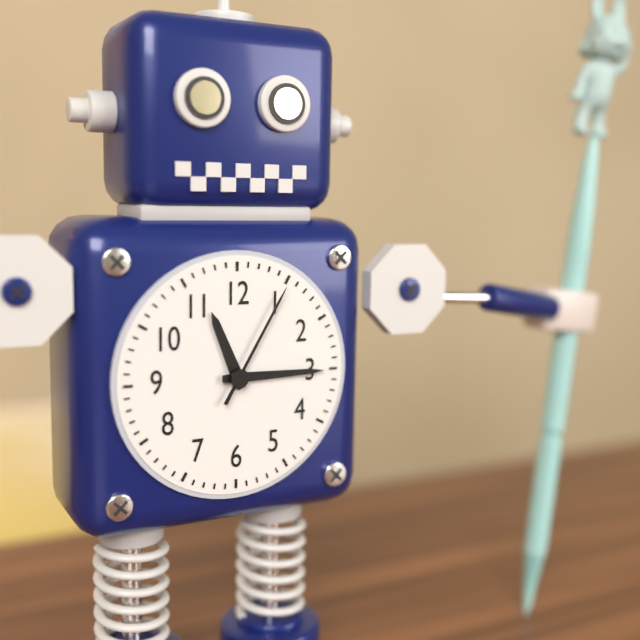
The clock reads 11h15m05s
